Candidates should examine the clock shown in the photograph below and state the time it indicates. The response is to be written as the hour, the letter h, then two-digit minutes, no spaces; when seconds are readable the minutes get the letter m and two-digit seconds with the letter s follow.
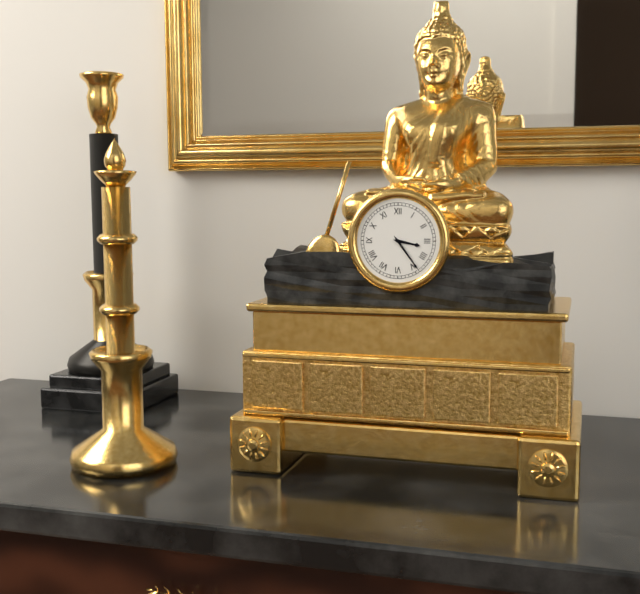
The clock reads 3h24
